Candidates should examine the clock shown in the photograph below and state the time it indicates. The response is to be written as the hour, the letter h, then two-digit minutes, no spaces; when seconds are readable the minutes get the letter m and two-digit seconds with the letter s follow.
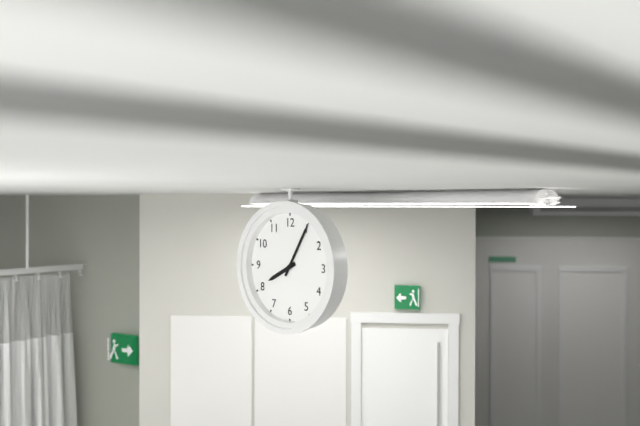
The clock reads 8h05
